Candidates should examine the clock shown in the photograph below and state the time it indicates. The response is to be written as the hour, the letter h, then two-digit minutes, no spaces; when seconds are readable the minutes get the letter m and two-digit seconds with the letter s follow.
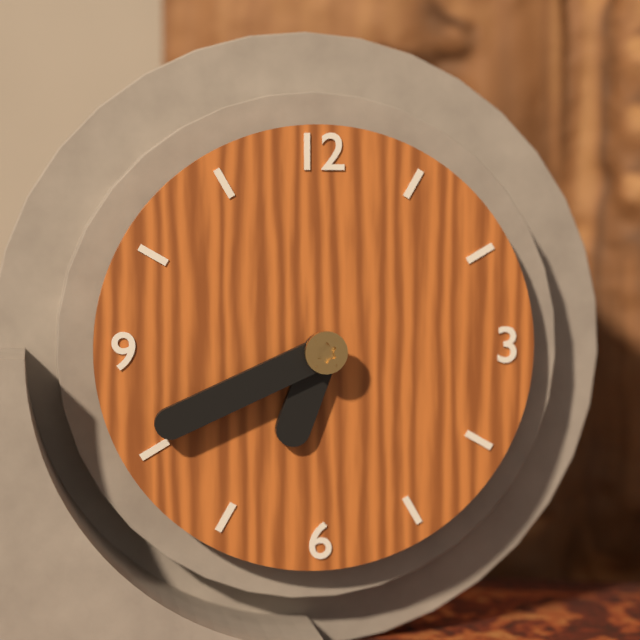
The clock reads 6h41
